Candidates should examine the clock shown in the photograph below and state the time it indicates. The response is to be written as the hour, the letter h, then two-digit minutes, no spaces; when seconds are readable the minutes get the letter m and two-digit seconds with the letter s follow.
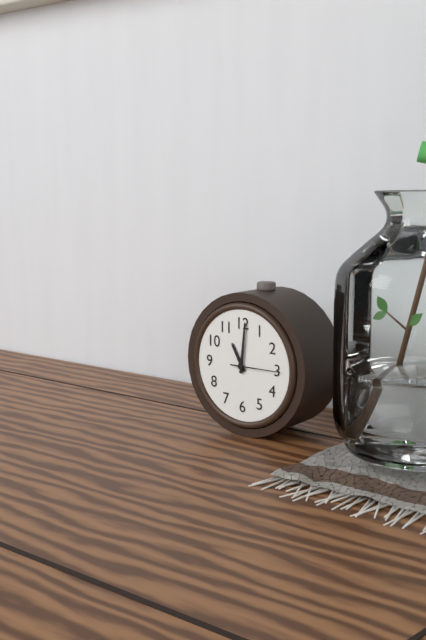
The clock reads 11h01
